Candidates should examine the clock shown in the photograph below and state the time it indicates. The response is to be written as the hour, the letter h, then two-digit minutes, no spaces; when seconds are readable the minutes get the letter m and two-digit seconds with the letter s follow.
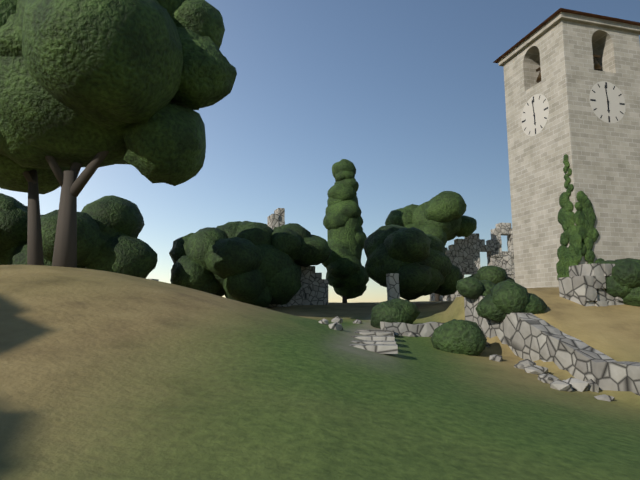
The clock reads 5h59
